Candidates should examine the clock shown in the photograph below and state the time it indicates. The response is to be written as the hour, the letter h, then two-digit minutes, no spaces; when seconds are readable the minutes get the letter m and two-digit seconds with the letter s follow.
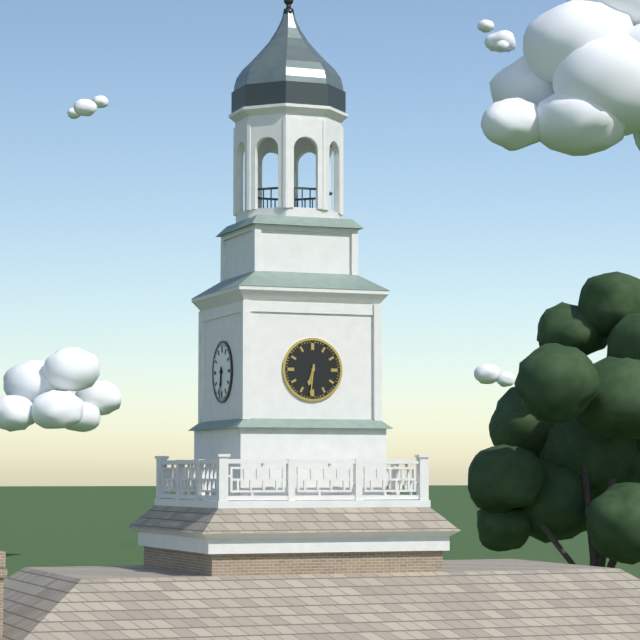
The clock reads 6h31
